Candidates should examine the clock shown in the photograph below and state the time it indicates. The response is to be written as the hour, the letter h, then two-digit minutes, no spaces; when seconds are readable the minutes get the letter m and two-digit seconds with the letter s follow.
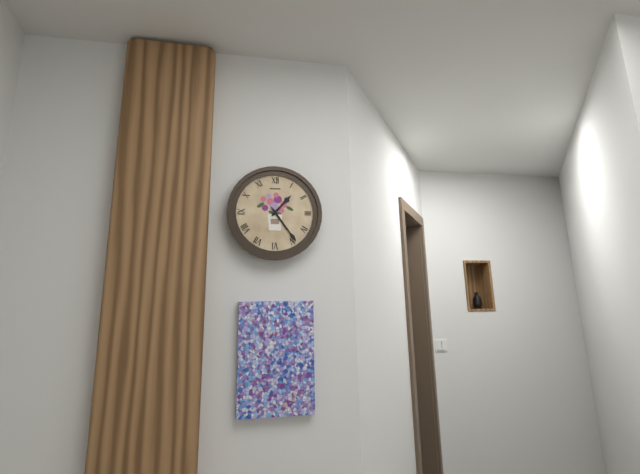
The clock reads 1h24
